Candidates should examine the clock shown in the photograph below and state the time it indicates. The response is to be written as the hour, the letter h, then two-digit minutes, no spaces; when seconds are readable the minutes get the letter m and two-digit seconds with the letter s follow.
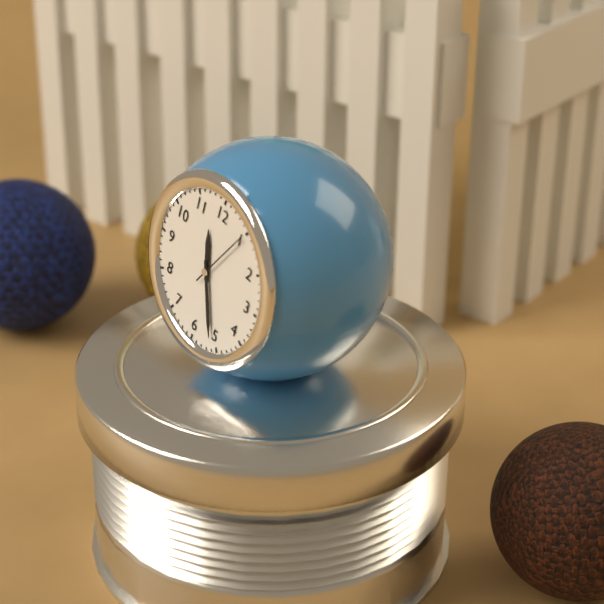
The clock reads 11h26
